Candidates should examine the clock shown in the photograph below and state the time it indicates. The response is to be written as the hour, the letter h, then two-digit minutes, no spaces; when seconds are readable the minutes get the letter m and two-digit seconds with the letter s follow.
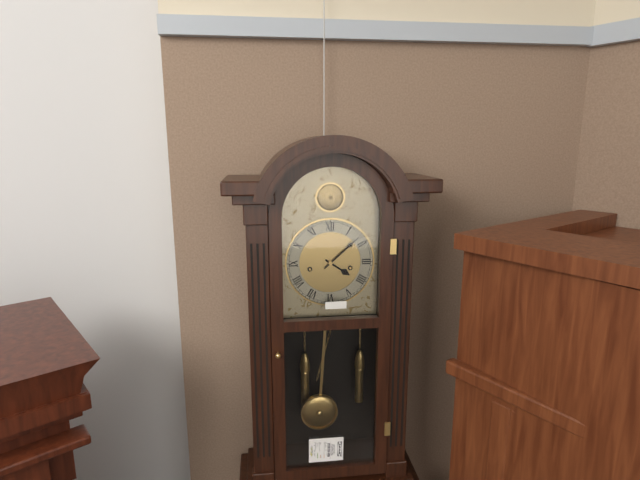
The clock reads 4h08
